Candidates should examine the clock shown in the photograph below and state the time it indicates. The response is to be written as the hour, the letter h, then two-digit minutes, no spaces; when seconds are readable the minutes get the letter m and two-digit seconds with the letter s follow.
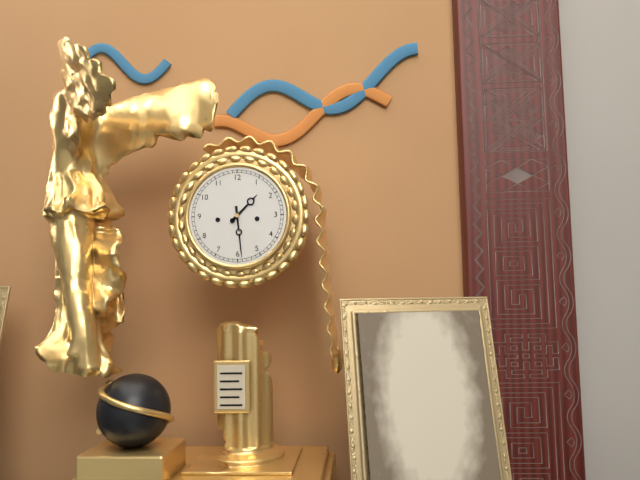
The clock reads 1h29
